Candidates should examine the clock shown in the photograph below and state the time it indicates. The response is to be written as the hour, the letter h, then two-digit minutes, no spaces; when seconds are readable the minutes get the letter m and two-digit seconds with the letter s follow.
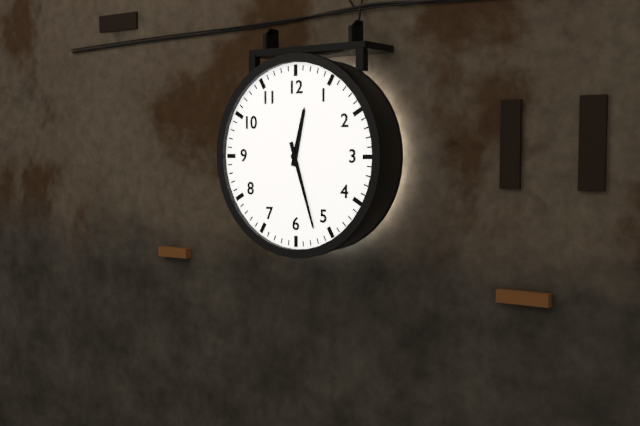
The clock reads 12h27
